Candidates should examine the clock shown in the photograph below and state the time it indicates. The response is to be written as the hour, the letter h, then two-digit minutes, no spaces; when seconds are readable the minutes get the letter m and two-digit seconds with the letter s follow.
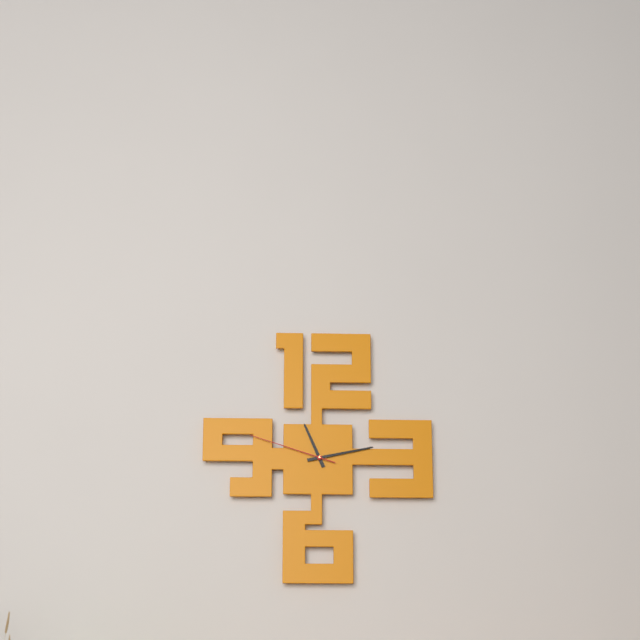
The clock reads 11h13m48s
